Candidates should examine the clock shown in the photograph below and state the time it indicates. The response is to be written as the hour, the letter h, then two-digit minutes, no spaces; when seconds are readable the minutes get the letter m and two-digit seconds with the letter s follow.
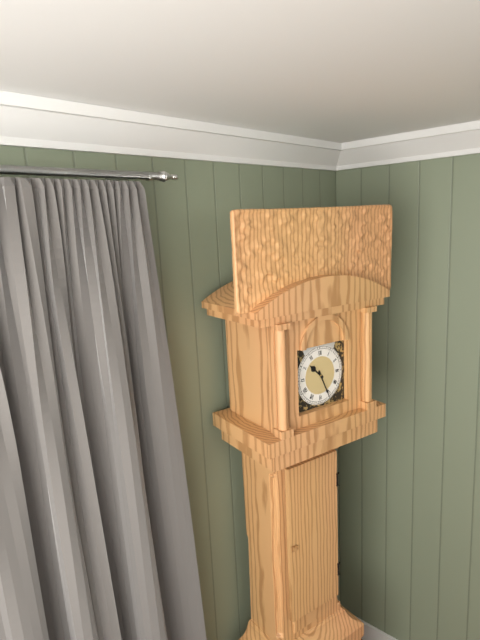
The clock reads 10h26
